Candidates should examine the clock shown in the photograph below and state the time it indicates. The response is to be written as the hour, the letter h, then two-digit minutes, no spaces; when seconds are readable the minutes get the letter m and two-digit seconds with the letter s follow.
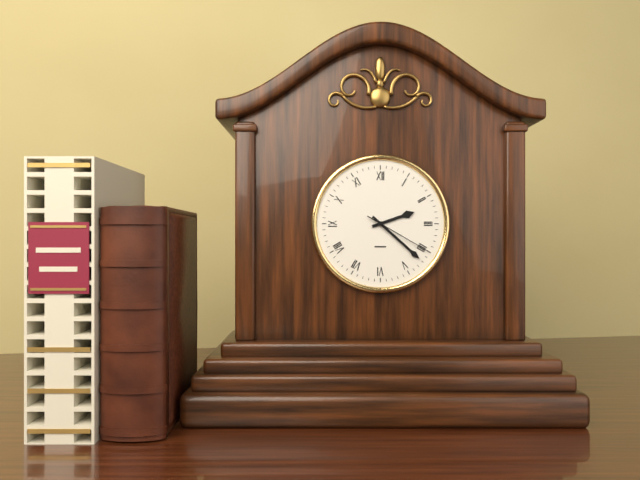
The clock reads 2h22m20s
